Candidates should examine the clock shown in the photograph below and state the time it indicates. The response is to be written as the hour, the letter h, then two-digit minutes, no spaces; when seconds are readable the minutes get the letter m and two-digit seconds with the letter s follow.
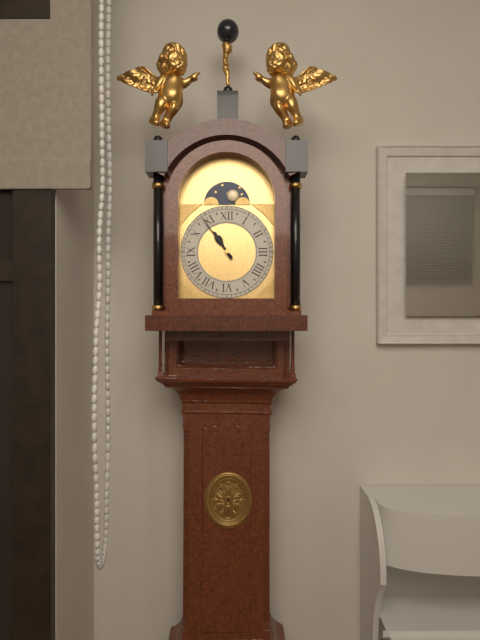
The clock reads 10h54
